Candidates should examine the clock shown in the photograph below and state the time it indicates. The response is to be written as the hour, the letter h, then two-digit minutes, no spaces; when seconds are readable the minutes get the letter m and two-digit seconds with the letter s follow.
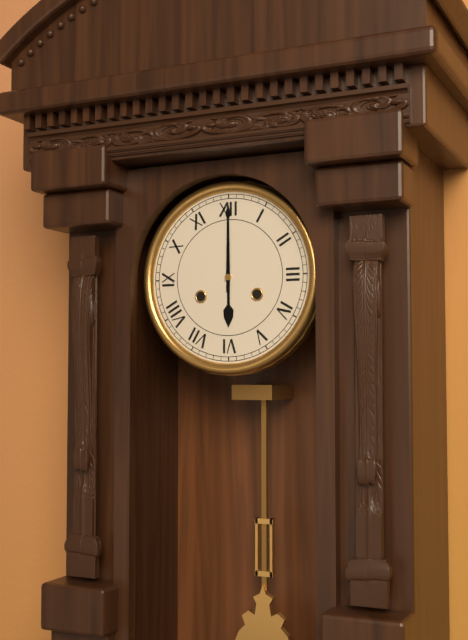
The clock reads 6h00
